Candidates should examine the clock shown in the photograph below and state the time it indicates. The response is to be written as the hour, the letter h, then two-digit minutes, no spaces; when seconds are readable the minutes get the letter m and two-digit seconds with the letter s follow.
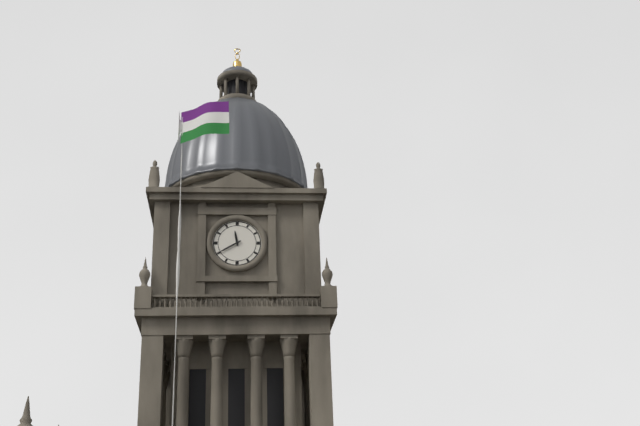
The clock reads 11h40
